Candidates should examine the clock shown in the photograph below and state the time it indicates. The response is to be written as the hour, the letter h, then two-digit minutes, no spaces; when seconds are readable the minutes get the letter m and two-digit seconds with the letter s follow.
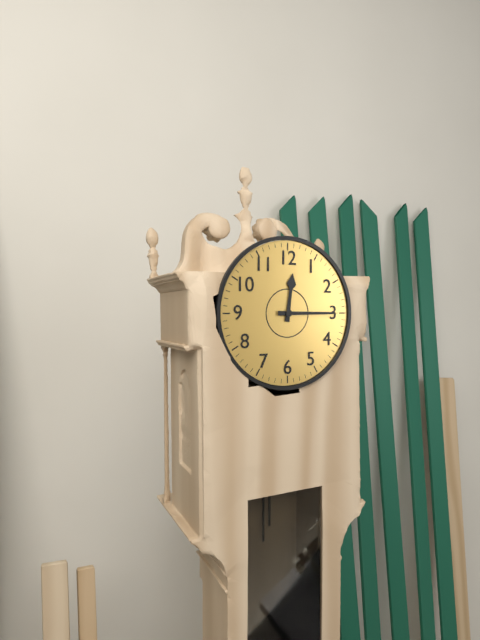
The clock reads 12h15
